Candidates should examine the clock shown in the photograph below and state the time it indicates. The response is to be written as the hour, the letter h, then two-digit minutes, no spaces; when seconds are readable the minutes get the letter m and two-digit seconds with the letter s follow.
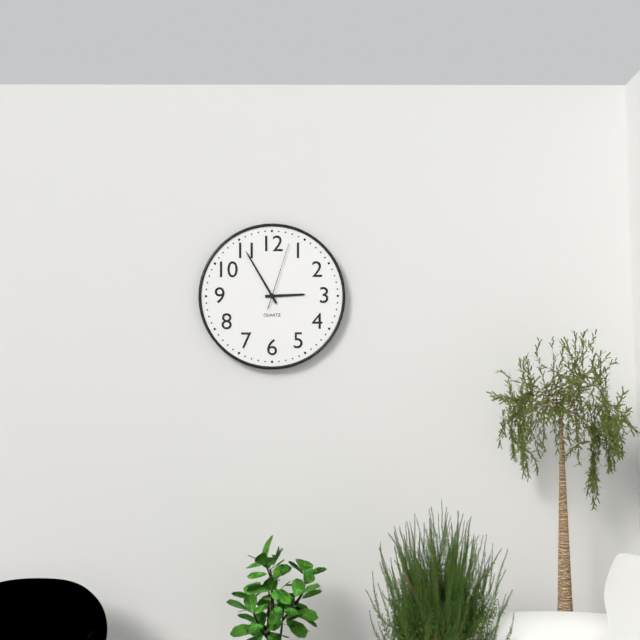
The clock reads 2h55m03s
